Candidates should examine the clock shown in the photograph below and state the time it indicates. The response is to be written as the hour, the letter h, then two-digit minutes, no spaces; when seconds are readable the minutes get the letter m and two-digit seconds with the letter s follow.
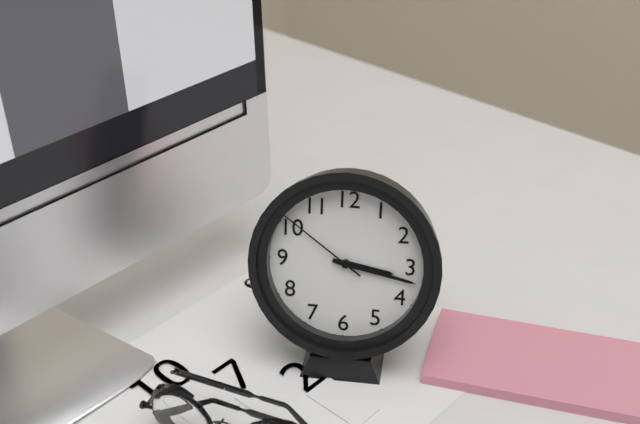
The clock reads 3h17m51s
